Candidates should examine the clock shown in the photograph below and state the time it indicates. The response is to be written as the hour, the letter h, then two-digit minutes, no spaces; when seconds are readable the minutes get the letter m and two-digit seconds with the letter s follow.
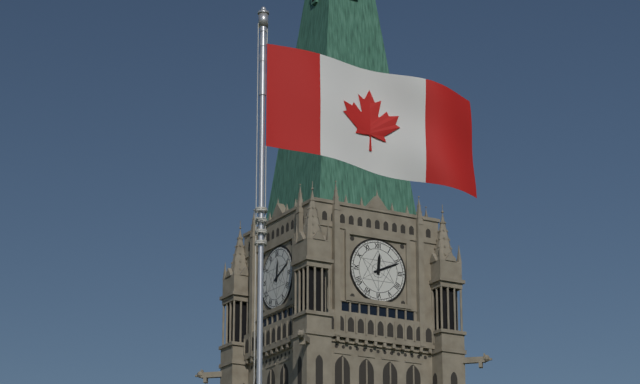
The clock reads 12h11
